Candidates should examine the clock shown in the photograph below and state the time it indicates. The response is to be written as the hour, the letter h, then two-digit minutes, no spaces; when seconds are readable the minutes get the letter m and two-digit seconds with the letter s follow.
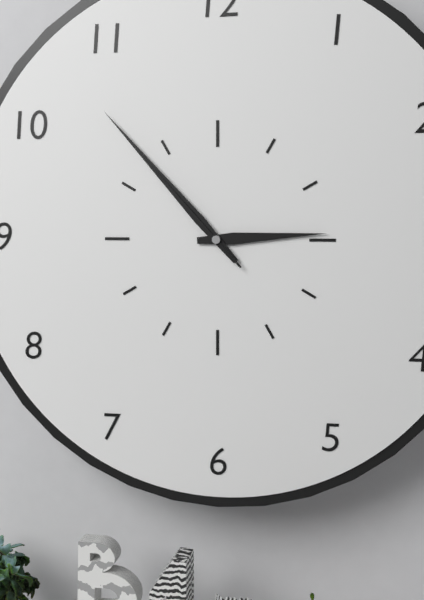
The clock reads 2h53m53s
